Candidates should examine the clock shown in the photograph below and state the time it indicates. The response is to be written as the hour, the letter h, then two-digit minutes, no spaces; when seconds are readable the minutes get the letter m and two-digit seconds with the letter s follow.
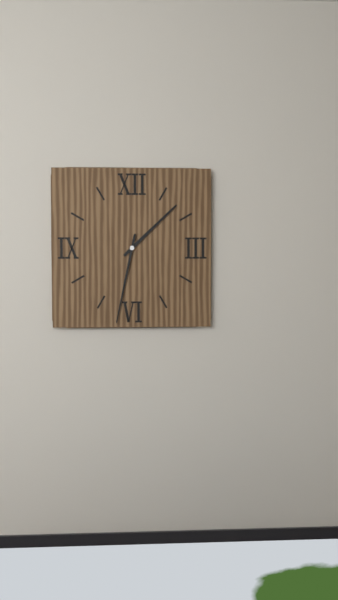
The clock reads 1h32
